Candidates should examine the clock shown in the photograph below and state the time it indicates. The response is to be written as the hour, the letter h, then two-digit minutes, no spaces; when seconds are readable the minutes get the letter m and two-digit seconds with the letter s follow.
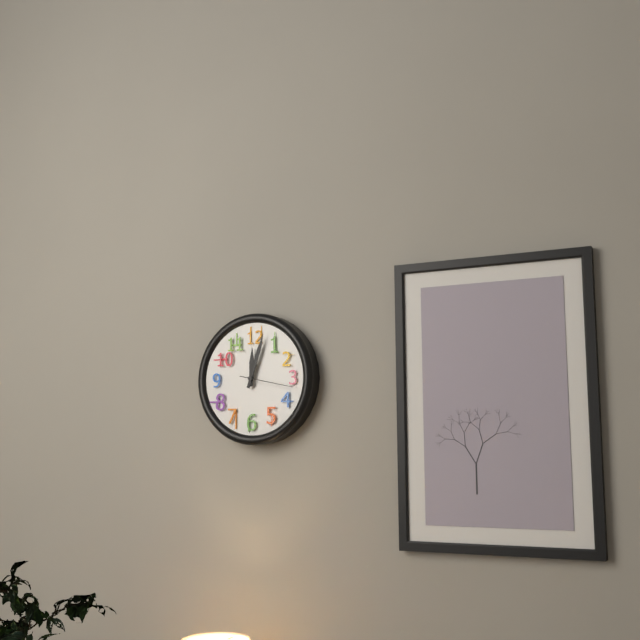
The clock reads 12h03m17s
